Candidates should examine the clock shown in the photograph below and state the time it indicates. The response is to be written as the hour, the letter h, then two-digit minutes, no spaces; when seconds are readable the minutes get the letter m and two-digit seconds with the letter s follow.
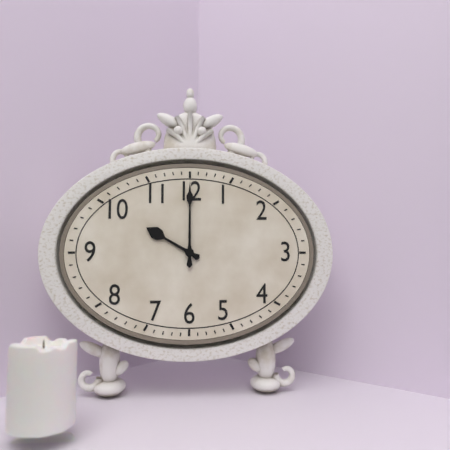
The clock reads 10h00
